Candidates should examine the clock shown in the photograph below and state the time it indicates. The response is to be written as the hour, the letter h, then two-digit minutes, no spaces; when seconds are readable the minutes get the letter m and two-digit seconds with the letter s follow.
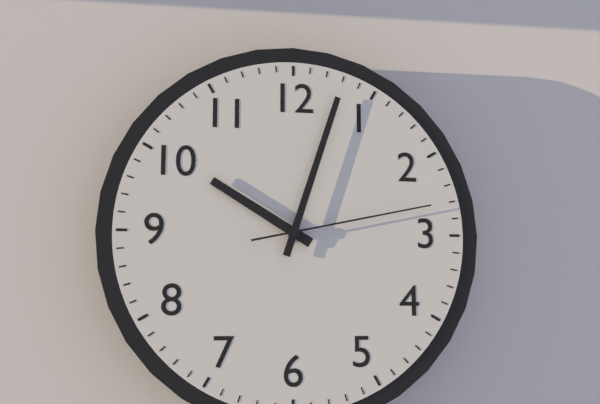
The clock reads 10h03m13s
